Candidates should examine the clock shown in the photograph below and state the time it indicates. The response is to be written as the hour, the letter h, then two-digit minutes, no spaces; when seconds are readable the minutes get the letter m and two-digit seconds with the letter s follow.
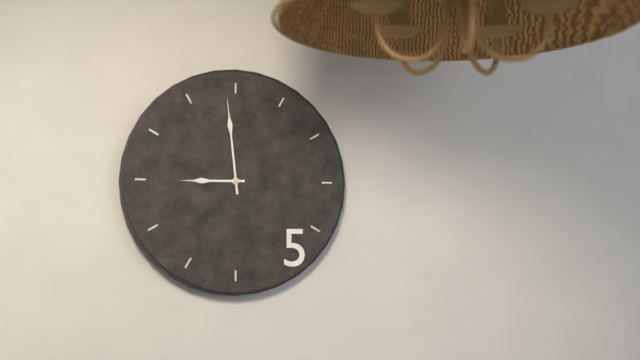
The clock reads 8h59
